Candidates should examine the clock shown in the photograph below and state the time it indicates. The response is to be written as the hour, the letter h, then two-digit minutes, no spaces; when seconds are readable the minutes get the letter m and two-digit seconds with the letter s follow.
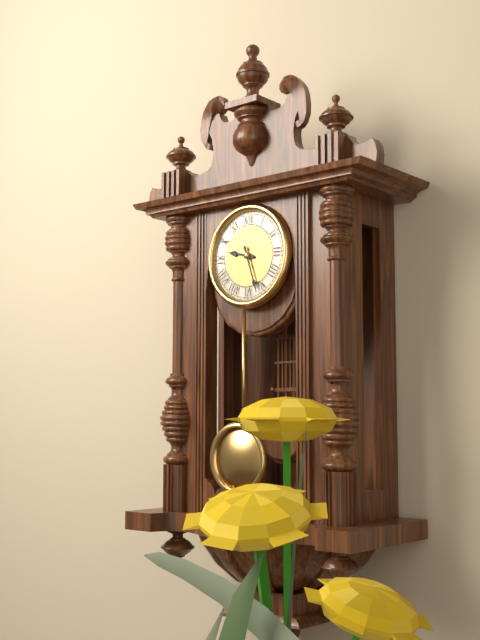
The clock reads 9h27
